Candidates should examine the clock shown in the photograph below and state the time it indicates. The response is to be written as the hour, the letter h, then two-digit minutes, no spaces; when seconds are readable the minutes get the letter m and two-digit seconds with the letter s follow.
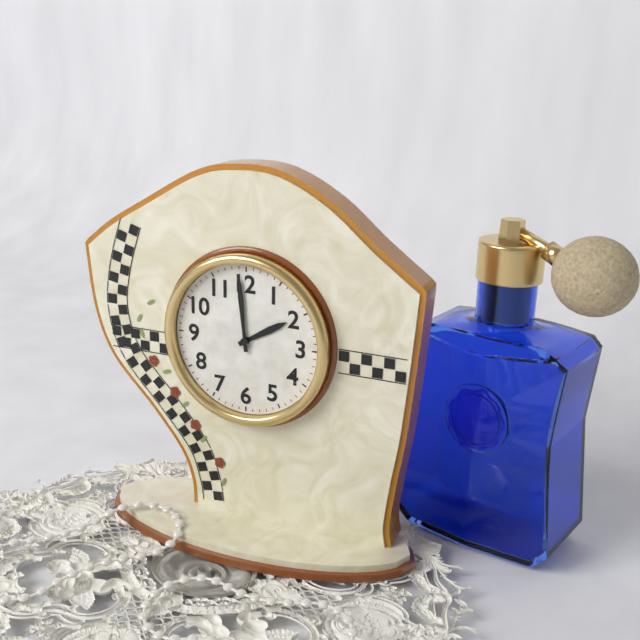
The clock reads 1h59
